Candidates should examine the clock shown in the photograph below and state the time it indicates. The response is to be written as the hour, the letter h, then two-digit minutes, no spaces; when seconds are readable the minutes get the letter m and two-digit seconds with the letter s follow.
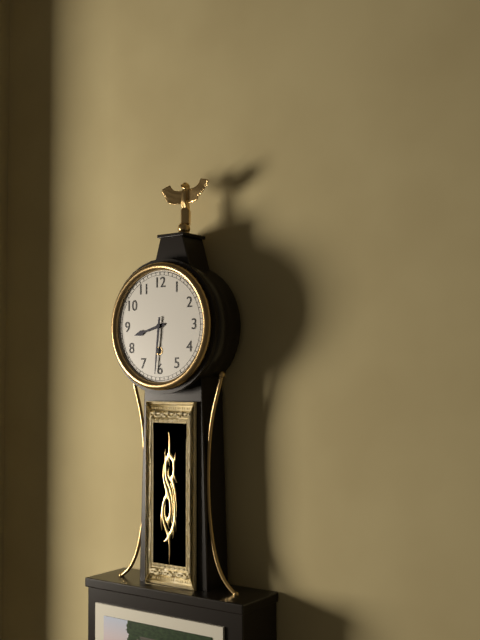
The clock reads 8h31
